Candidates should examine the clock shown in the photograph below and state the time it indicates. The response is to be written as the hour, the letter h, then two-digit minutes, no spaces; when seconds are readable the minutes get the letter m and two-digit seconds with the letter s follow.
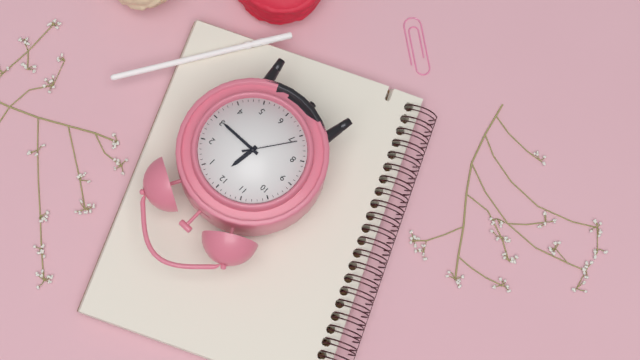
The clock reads 12h15m36s
